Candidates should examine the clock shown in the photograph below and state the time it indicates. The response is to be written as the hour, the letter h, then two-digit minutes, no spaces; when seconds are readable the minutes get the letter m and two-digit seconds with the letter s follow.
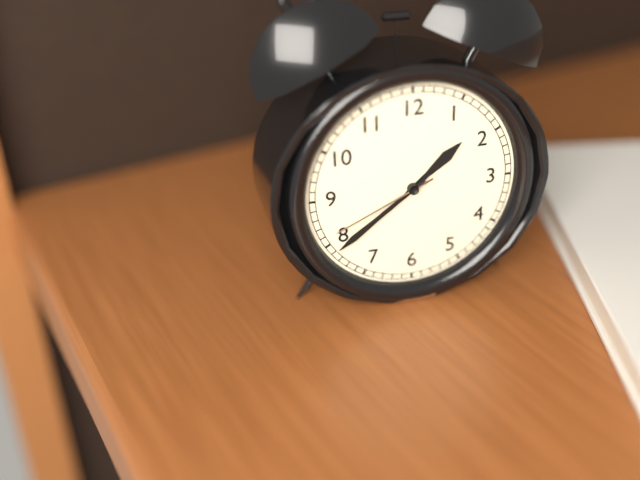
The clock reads 1h39m41s
